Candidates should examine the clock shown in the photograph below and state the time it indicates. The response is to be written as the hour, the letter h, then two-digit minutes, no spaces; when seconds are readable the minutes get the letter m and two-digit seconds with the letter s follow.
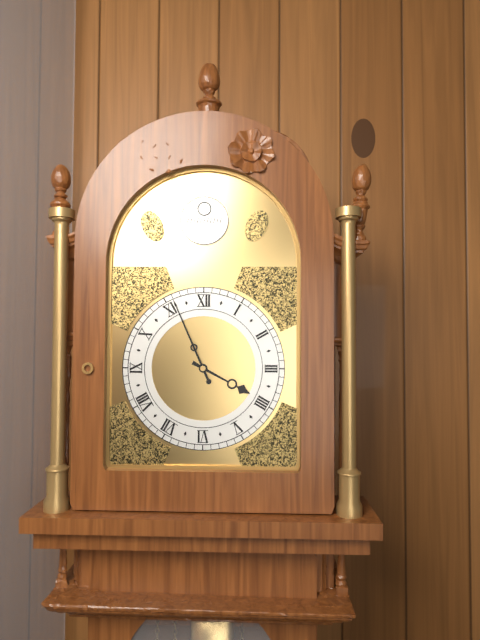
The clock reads 3h56
